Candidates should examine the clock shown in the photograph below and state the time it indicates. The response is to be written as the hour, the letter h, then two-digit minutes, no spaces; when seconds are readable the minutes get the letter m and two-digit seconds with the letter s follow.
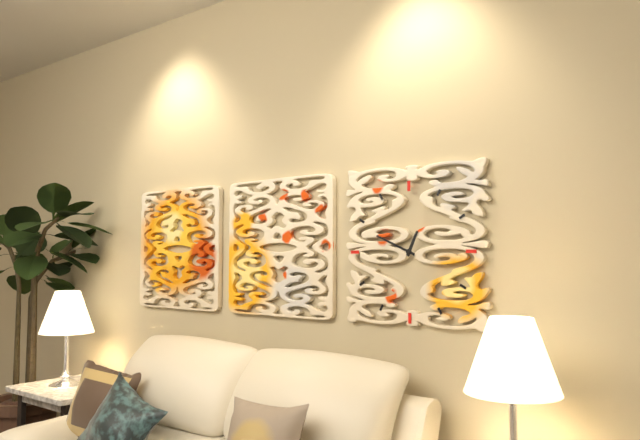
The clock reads 12h49
